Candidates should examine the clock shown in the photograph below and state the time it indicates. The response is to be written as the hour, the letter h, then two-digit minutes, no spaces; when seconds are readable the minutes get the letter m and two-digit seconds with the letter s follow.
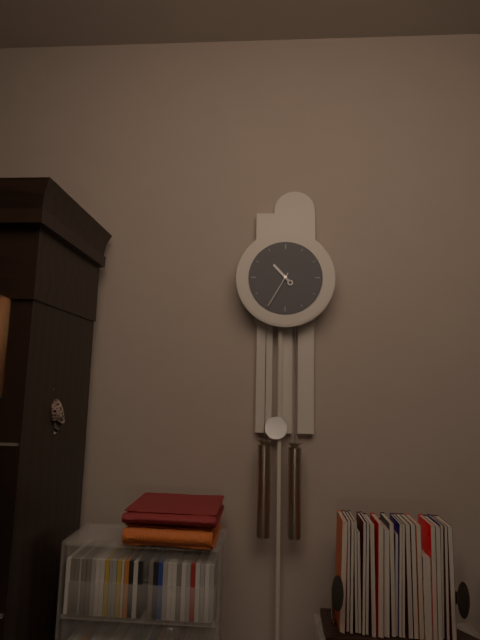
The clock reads 10h35
